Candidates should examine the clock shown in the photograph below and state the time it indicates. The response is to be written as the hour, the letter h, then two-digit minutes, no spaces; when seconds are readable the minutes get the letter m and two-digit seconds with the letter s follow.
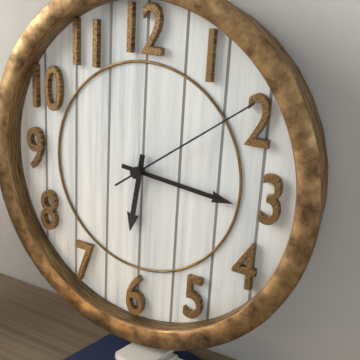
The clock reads 6h16m09s
